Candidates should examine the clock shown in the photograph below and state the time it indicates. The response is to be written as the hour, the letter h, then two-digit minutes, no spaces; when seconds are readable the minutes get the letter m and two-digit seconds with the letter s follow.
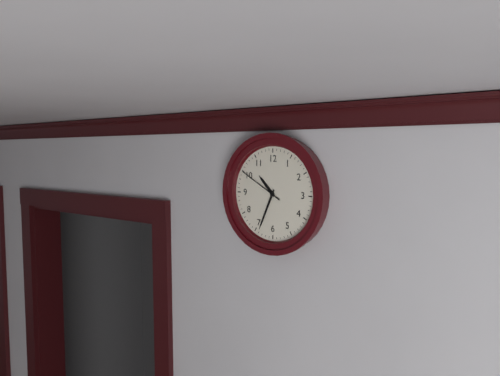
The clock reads 10h34
